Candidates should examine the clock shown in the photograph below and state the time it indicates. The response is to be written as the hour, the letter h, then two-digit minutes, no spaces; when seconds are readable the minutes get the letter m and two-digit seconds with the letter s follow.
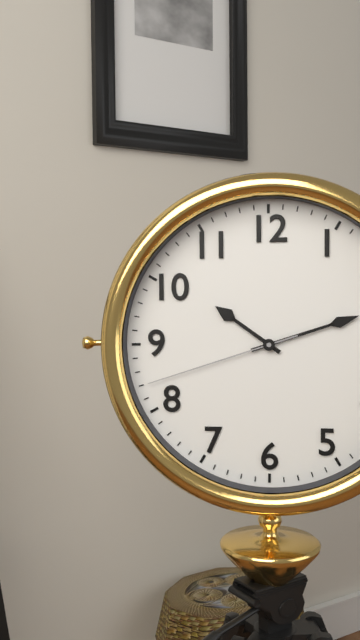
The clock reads 10h12m42s
